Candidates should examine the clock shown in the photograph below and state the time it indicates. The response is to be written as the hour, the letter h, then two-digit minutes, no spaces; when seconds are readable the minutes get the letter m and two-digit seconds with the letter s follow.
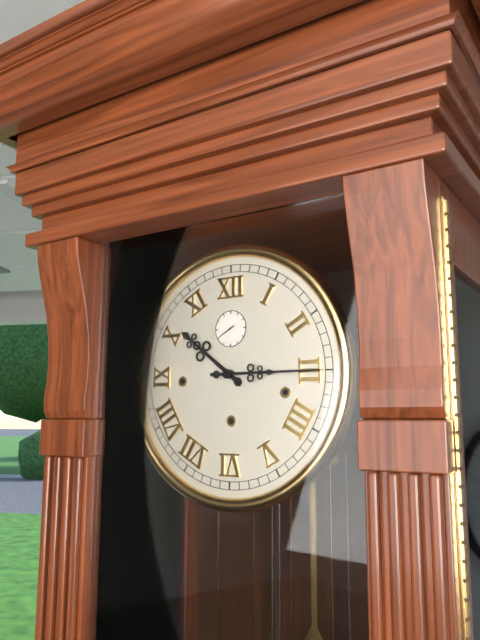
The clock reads 10h15
